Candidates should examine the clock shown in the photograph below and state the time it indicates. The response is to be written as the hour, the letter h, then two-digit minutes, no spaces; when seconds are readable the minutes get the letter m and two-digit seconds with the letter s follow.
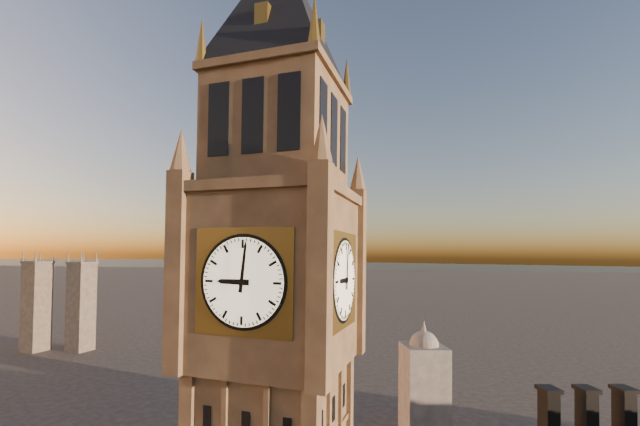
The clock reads 9h01
